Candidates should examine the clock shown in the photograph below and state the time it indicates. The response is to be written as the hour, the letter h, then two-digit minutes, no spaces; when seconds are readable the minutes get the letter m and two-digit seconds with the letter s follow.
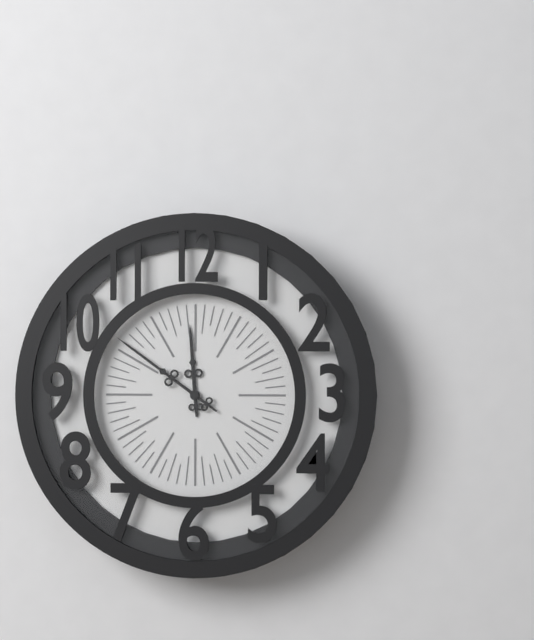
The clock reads 11h51
